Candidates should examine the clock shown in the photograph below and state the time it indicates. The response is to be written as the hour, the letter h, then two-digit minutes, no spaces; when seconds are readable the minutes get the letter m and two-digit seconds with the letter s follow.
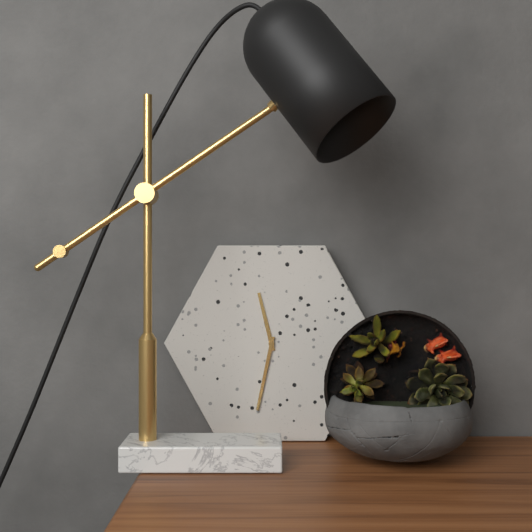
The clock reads 11h32
